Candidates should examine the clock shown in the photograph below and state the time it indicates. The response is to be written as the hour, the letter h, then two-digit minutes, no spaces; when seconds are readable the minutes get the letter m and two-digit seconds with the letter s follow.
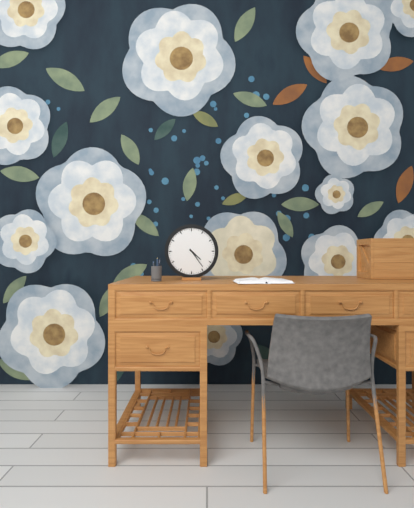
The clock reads 4h24
